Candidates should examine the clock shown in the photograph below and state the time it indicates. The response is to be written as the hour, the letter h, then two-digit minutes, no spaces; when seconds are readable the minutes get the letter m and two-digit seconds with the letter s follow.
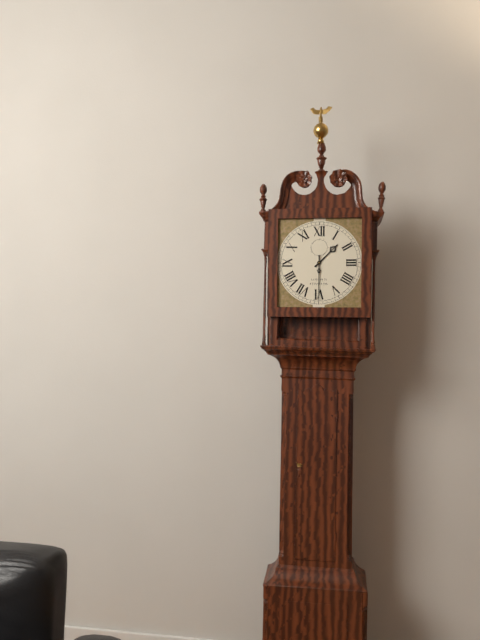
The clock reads 1h30
